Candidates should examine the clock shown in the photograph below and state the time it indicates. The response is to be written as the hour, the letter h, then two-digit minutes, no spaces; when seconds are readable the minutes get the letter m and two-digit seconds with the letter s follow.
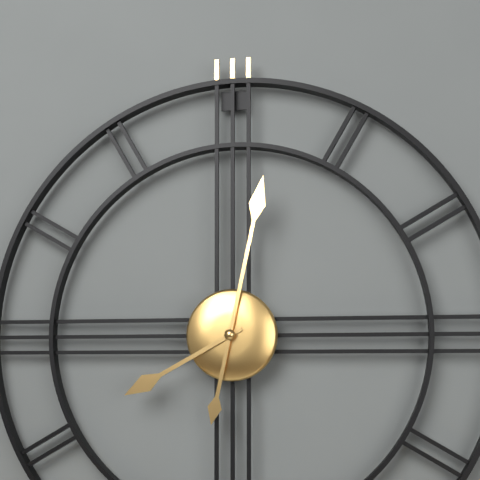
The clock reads 8h02
